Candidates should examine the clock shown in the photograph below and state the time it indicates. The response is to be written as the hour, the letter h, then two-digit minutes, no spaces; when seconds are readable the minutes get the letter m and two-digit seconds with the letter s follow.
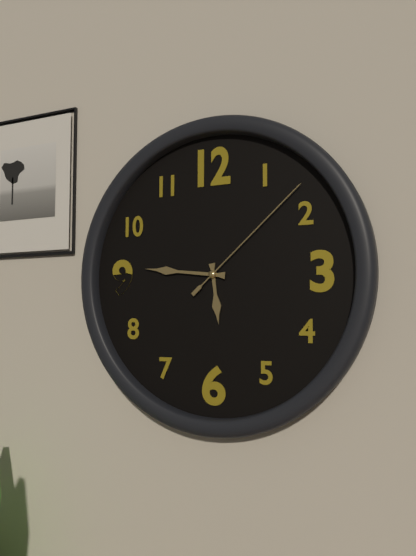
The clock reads 5h46m08s
